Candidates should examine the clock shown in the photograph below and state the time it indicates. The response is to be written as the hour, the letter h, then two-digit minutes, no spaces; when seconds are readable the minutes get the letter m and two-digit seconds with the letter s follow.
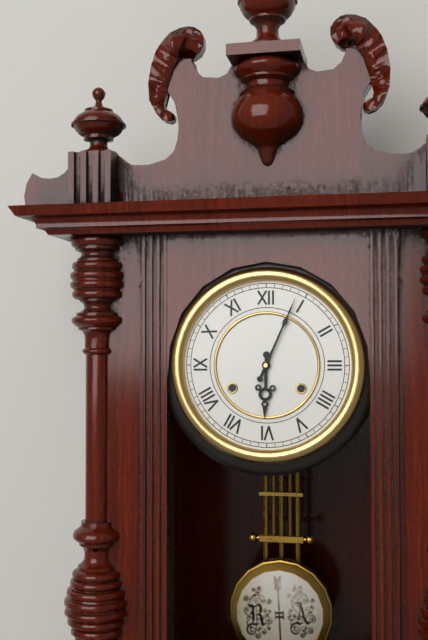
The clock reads 6h04
